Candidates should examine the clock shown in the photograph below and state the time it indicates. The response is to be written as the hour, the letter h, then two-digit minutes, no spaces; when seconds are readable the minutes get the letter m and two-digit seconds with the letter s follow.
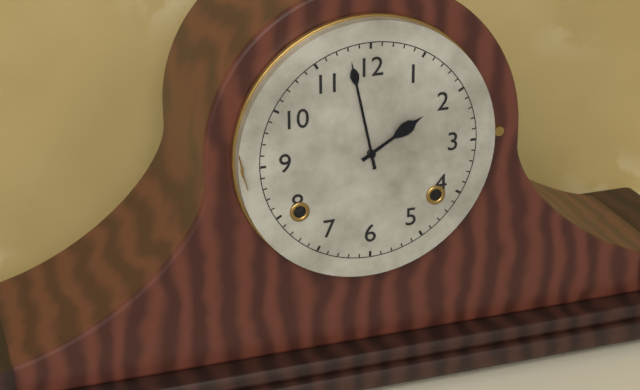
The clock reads 1h58
